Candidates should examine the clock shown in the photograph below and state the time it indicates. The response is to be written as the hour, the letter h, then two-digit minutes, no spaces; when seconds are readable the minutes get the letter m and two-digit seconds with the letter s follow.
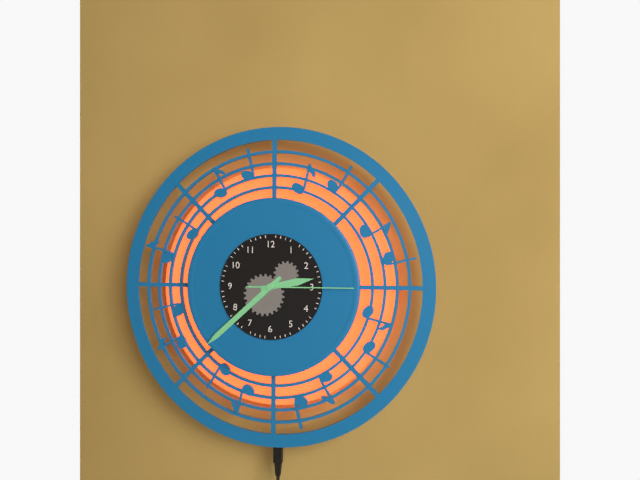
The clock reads 2h38m15s
